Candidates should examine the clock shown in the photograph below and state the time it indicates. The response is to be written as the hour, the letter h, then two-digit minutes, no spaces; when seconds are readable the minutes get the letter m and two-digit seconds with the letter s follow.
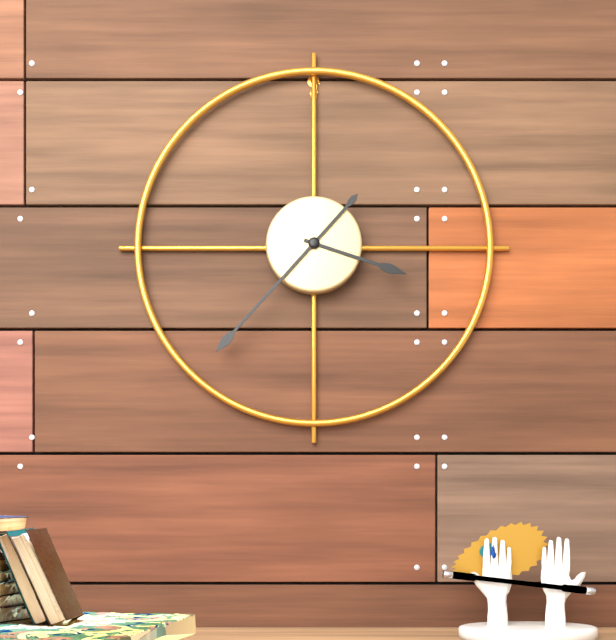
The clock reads 3h37
